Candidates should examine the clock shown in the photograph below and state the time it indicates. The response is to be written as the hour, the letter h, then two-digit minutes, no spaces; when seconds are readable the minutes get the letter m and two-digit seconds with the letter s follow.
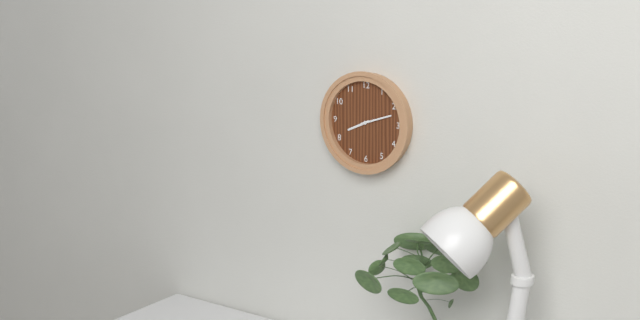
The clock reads 8h12
